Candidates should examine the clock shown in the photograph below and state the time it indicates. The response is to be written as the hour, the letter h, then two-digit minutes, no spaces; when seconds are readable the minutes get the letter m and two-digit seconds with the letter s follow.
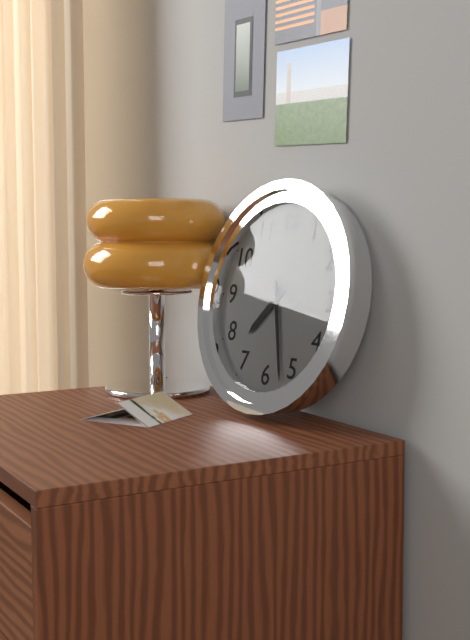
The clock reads 7h27
